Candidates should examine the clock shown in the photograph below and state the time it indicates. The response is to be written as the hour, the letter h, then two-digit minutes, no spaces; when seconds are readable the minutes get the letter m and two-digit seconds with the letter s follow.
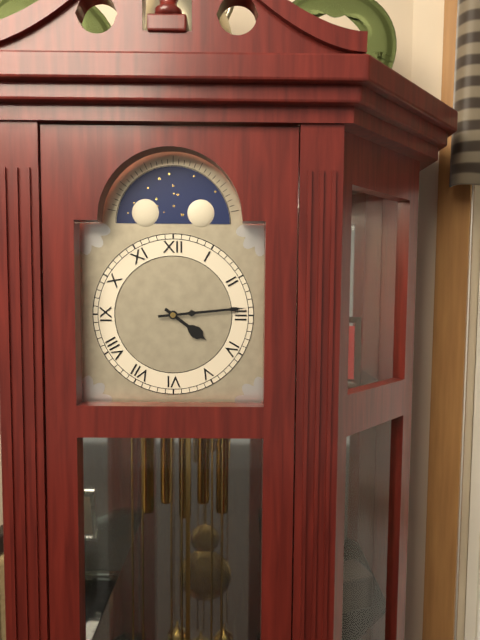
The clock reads 4h14
